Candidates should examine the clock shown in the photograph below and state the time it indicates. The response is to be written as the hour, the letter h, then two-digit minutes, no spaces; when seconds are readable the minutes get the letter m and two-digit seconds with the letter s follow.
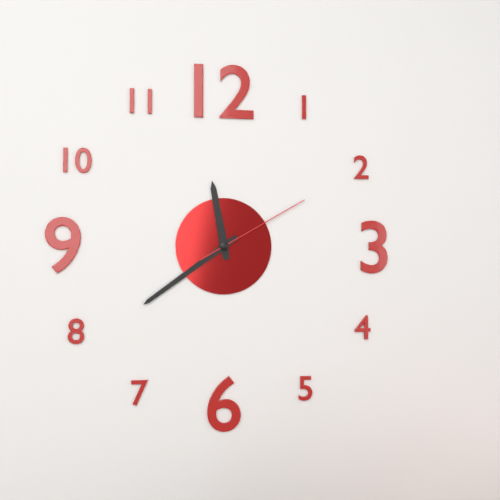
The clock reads 11h39m10s
